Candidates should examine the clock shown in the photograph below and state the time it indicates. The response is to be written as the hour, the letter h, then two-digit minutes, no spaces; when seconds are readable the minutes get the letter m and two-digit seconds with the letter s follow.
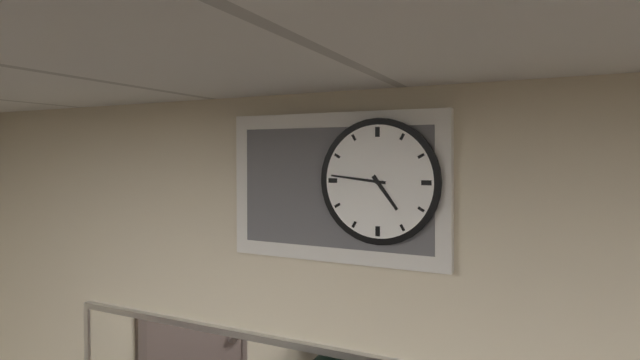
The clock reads 4h46
